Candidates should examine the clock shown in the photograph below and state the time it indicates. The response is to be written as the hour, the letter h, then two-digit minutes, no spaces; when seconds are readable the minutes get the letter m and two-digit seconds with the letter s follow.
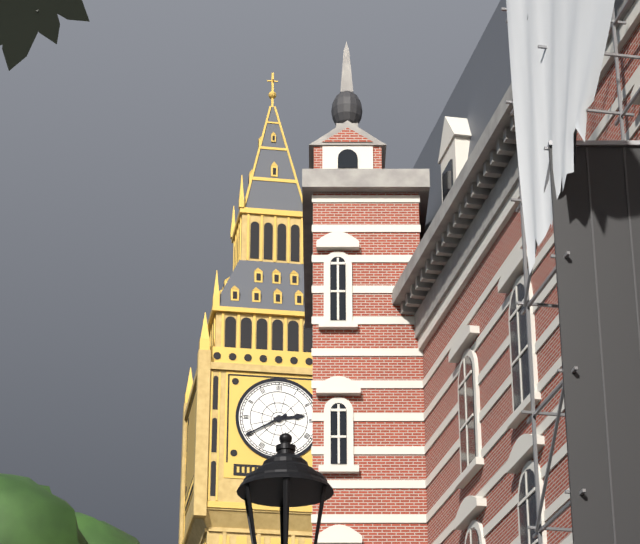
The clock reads 2h40
